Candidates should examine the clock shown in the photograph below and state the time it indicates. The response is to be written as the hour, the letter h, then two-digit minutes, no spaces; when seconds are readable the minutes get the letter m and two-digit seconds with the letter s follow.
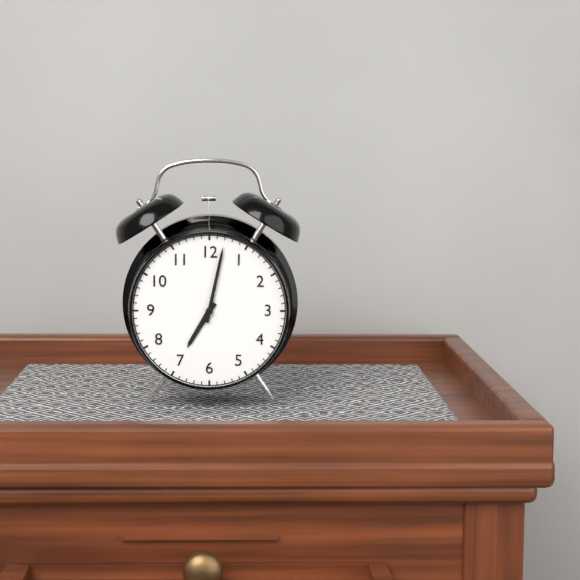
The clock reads 7h02
